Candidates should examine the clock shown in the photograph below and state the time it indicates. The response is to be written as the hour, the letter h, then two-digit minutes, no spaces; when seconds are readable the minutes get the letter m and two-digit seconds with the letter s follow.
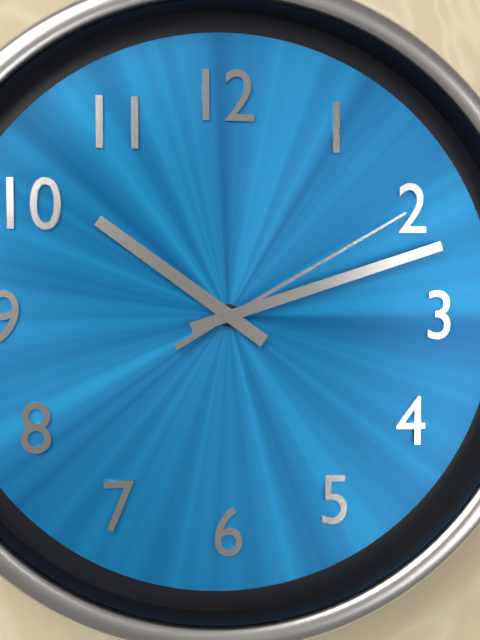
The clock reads 10h12m10s
